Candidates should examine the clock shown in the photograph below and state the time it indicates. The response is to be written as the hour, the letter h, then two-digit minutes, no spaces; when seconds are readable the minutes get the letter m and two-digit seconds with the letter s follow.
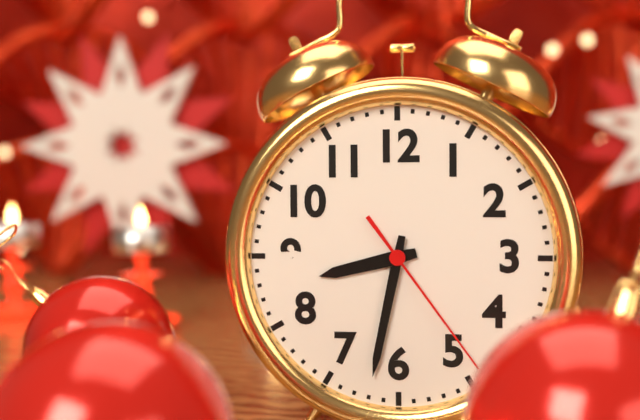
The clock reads 8h32m24s
